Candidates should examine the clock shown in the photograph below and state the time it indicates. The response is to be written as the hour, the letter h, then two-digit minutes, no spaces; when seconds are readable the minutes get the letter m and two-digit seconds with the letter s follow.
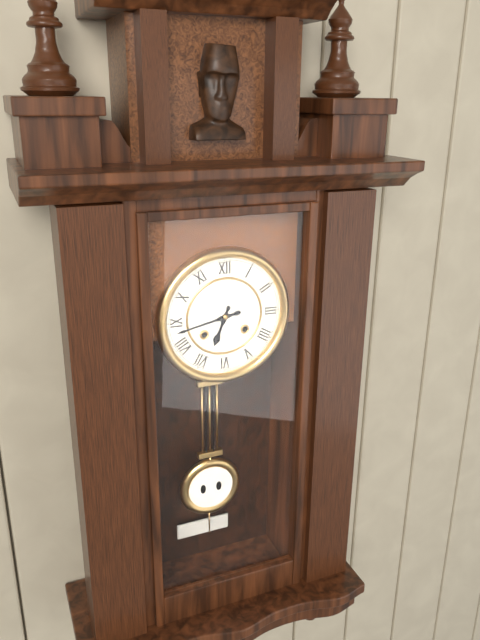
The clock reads 6h43
